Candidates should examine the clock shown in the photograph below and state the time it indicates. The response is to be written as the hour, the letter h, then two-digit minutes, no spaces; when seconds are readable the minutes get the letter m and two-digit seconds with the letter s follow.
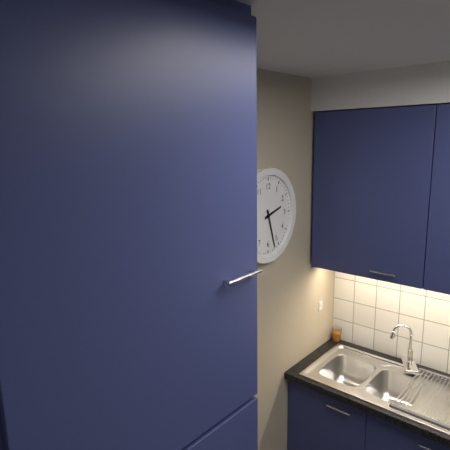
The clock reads 2h27
